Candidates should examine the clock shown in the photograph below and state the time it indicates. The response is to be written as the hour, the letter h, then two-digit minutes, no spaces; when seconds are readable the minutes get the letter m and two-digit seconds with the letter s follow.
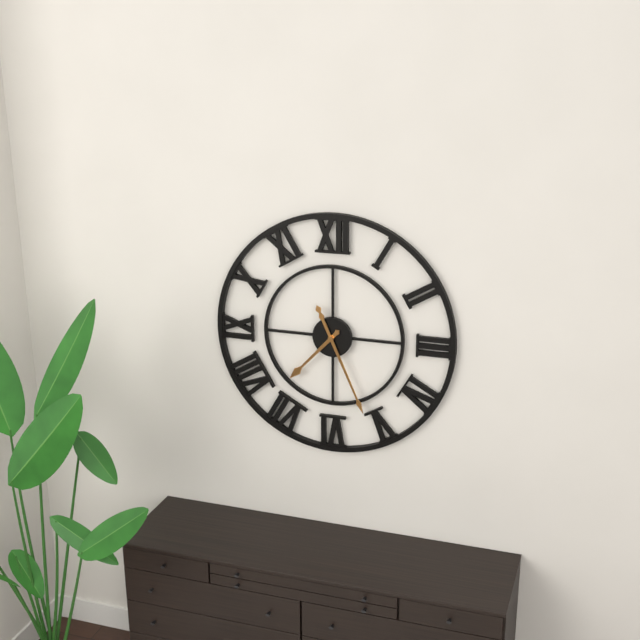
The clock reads 7h26
